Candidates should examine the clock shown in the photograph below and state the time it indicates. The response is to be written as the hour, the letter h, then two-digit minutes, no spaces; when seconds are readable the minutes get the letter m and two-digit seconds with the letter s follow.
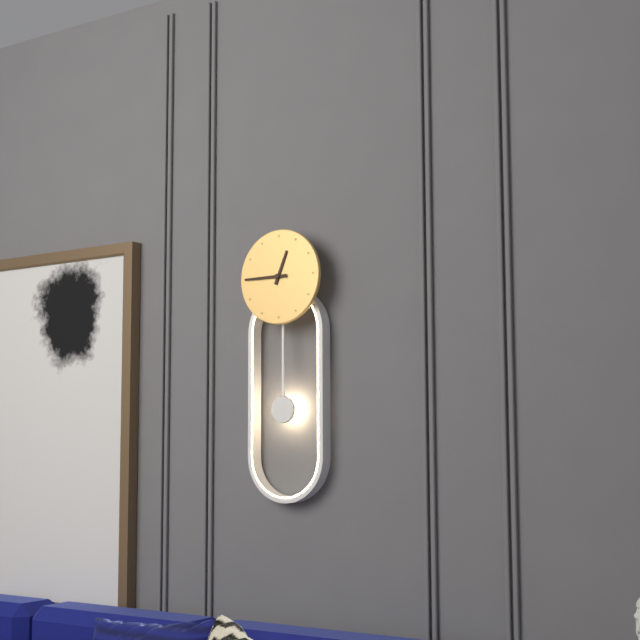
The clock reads 12h45
